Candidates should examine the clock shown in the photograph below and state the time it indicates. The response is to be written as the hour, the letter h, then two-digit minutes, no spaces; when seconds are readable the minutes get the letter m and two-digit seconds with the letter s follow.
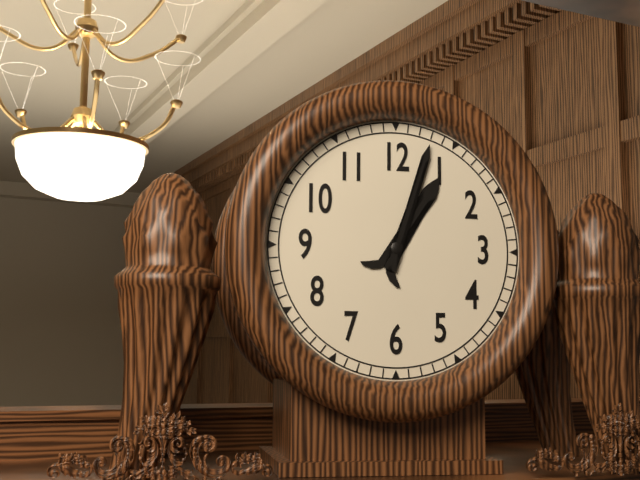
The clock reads 1h03
